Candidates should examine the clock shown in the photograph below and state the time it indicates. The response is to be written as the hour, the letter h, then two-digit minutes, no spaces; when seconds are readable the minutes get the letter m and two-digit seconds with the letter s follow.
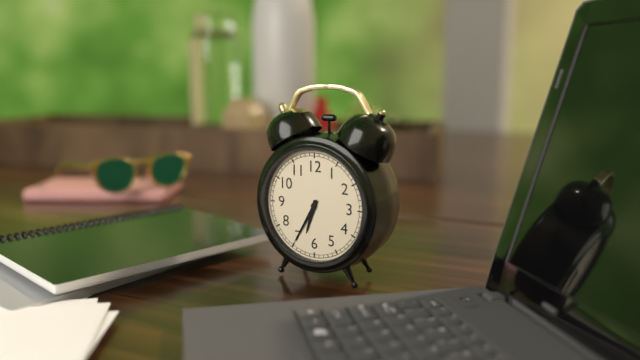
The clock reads 6h35
